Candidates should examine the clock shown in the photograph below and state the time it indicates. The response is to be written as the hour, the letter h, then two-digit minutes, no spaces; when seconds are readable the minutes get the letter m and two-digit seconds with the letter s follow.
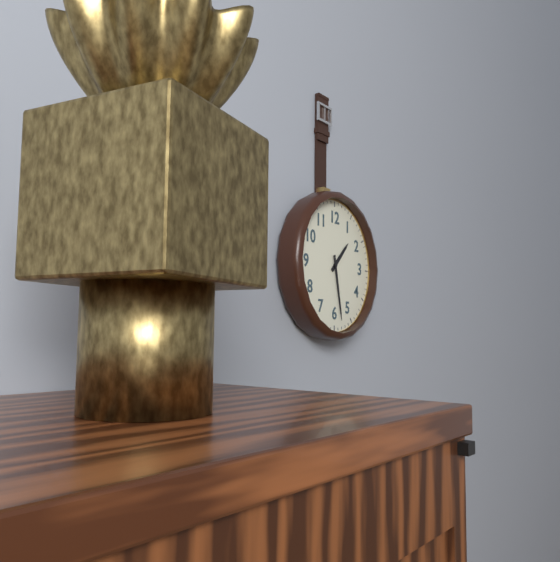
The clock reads 1h28
